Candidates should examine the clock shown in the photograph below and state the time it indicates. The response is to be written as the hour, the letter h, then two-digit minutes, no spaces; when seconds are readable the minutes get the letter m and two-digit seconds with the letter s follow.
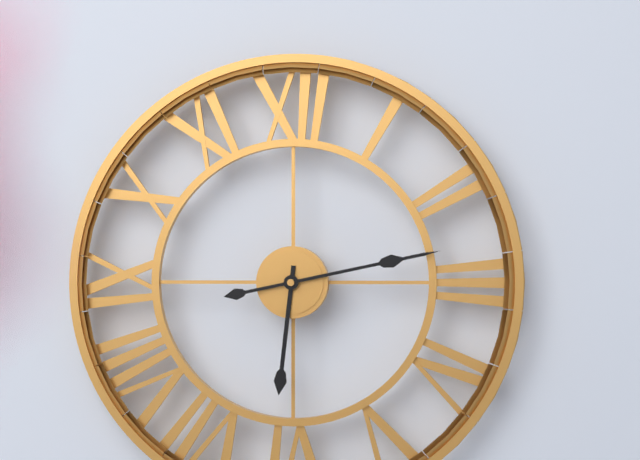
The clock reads 6h13
